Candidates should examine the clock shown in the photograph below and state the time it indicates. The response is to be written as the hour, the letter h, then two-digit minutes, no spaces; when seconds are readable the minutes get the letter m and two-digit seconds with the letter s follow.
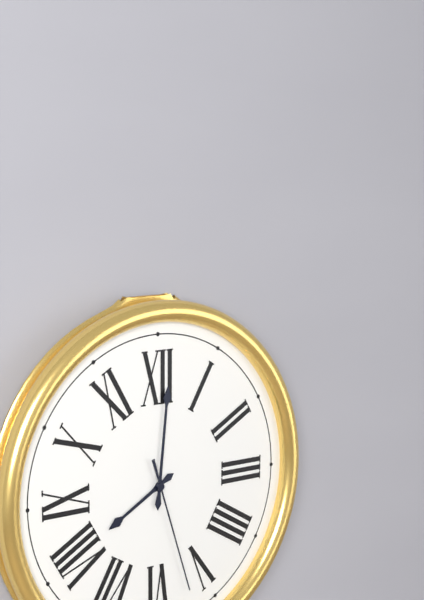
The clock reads 8h01m27s
